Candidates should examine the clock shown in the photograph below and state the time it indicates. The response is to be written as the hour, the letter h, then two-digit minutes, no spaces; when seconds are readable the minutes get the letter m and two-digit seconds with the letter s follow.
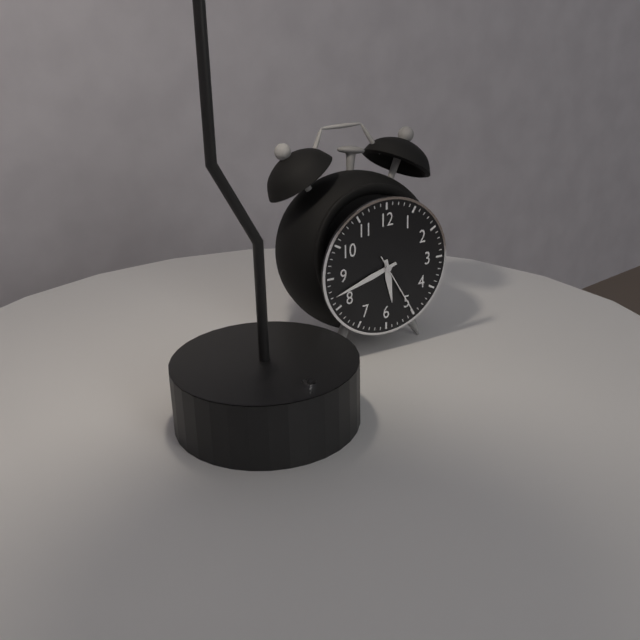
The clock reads 5h42m25s
